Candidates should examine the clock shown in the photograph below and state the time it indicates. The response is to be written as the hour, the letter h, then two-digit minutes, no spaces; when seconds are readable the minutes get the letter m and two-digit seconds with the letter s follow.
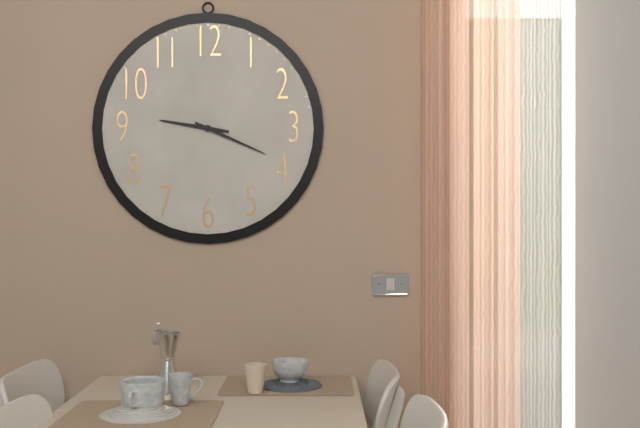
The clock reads 9h19
